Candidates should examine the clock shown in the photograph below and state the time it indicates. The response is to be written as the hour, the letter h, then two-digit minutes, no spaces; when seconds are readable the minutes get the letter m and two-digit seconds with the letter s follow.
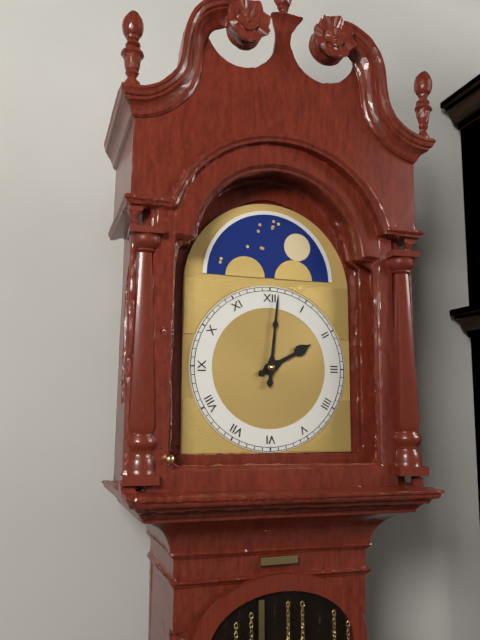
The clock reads 2h01
